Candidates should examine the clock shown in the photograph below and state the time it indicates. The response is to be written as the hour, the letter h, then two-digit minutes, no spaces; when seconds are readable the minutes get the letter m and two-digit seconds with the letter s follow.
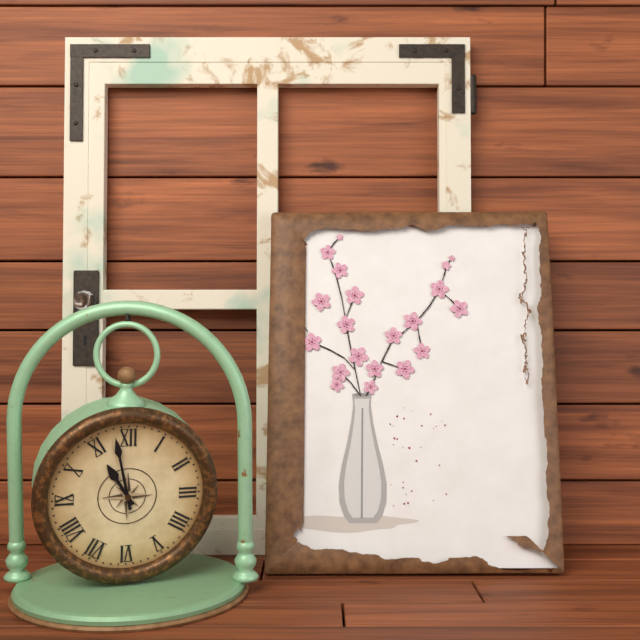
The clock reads 10h58
